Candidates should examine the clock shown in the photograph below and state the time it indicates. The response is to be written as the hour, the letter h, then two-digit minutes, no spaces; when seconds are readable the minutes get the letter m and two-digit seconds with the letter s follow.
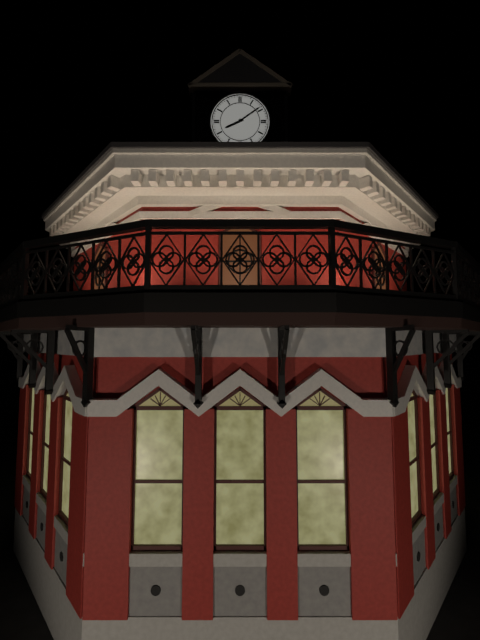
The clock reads 8h09
